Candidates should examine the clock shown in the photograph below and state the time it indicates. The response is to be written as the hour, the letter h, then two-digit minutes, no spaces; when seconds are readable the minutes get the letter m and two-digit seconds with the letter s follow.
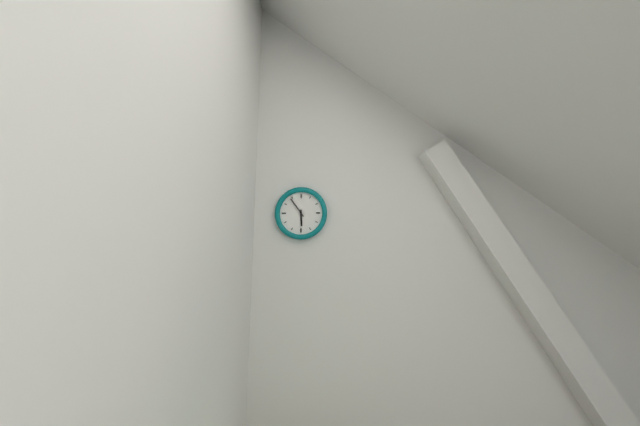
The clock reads 5h54
